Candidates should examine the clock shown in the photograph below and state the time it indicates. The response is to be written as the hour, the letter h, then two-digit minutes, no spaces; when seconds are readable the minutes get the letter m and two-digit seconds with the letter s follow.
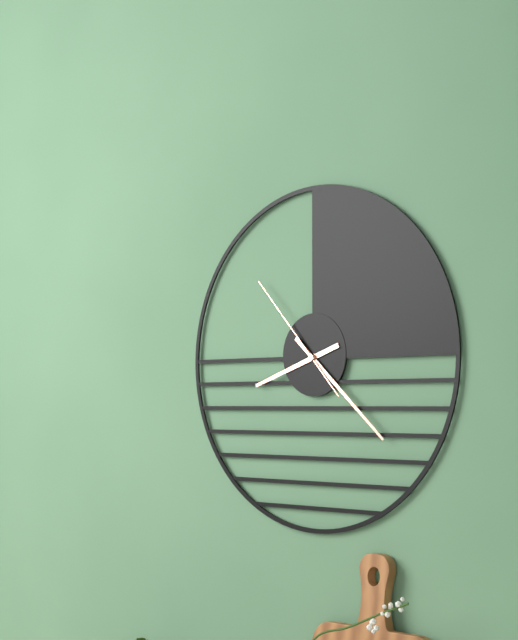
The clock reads 8h22m53s
